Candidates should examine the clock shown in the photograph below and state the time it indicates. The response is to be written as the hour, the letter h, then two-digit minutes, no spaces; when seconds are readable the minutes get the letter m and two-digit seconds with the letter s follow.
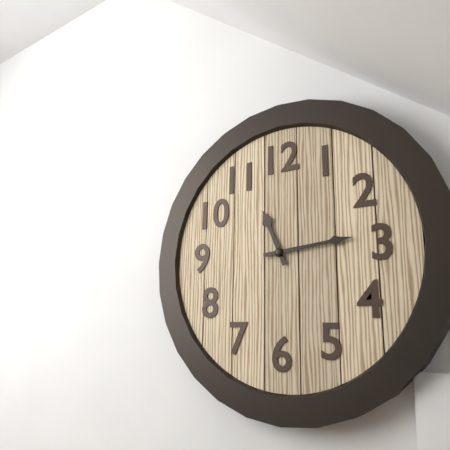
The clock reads 11h14
